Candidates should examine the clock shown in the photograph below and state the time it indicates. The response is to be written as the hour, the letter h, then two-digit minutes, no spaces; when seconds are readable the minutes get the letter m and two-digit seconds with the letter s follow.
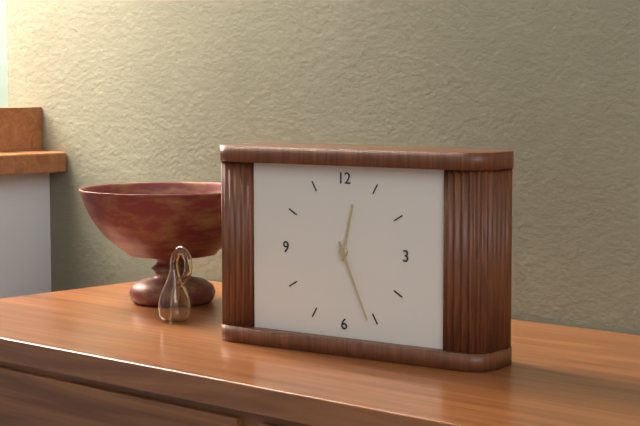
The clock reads 12h26
